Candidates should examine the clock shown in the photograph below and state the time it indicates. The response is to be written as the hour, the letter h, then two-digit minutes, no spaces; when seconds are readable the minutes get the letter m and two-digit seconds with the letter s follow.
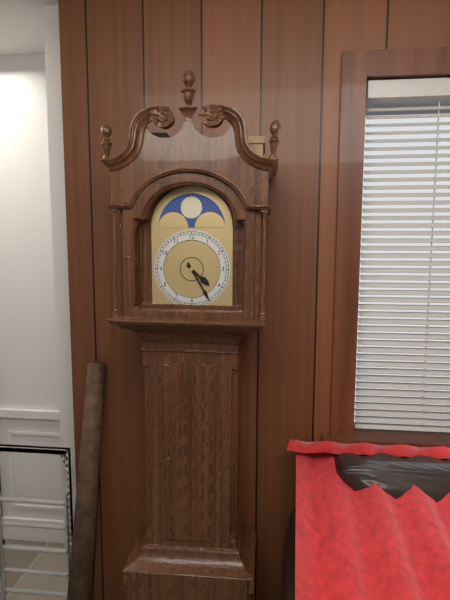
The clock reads 4h25
